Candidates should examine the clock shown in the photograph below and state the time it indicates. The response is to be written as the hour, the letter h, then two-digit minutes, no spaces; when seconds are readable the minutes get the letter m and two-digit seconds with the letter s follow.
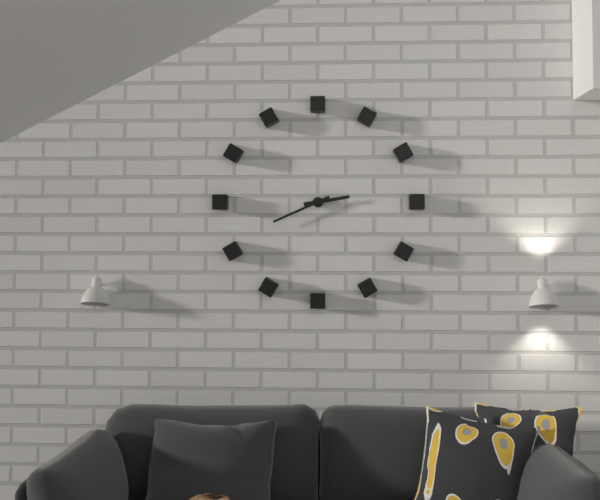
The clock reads 2h41
